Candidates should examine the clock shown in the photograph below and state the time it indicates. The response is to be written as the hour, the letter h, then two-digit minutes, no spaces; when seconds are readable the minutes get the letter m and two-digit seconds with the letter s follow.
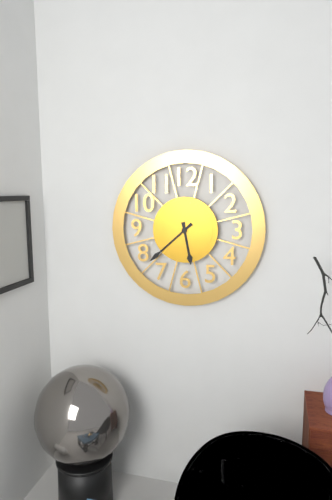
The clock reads 5h38
